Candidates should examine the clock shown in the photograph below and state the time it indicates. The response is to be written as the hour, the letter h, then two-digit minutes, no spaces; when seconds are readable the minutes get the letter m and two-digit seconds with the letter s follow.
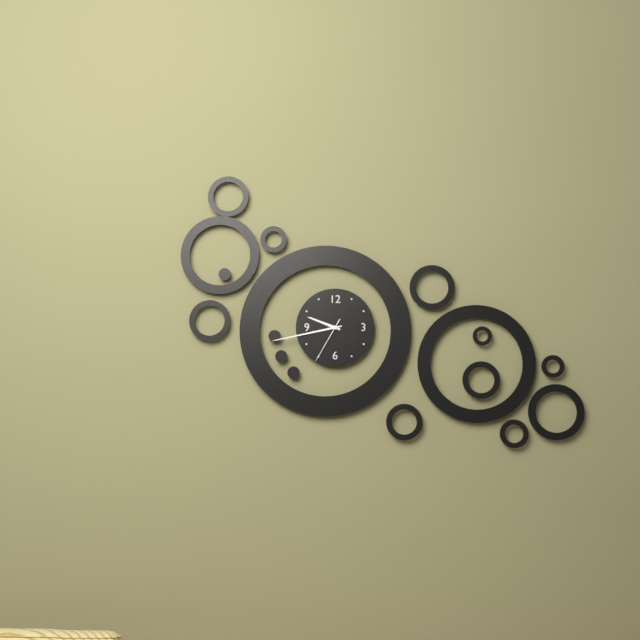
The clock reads 9h43m35s
